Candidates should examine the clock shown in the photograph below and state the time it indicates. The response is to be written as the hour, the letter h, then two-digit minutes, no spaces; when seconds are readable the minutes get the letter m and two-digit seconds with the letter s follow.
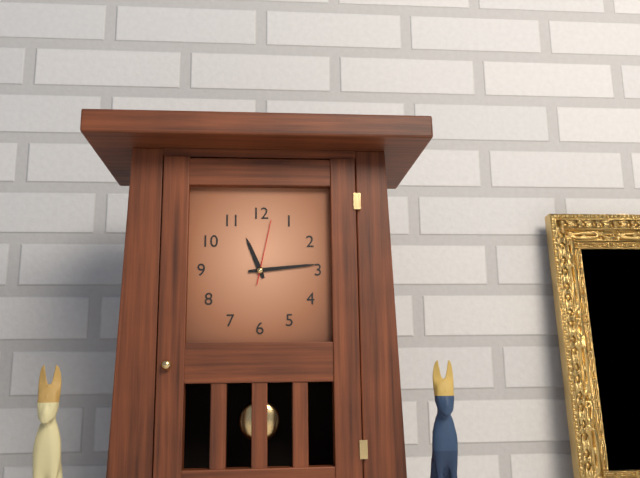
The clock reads 11h14m02s
